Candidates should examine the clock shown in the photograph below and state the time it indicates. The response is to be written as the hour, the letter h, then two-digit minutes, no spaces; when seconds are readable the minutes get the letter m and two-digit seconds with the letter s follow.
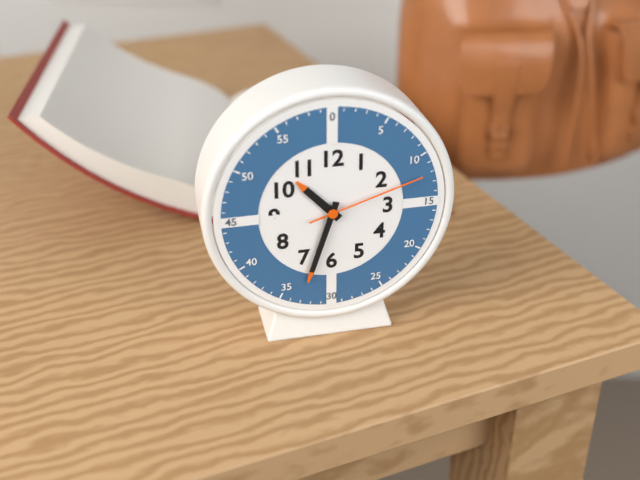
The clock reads 10h33m12s
